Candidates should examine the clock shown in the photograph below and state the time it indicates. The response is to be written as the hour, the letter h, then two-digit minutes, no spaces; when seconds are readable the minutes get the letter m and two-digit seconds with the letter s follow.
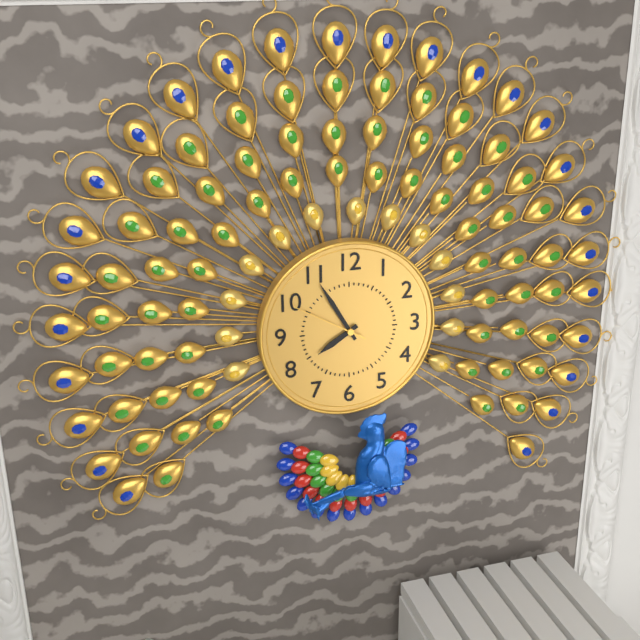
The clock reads 7h55m50s
